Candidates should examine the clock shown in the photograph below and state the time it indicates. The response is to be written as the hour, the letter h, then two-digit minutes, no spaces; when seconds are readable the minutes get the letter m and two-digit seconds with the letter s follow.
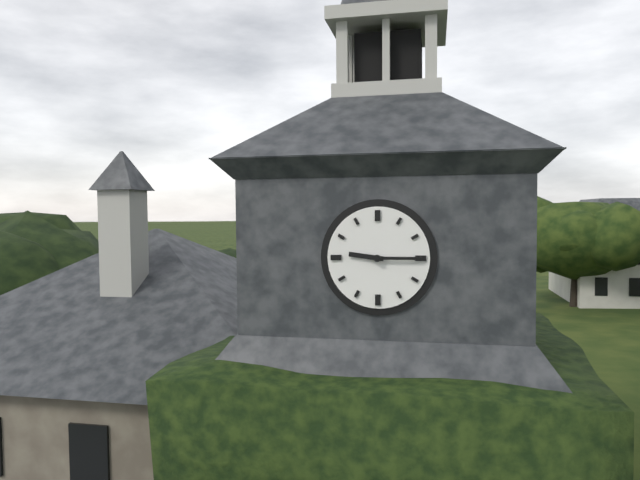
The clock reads 9h15
